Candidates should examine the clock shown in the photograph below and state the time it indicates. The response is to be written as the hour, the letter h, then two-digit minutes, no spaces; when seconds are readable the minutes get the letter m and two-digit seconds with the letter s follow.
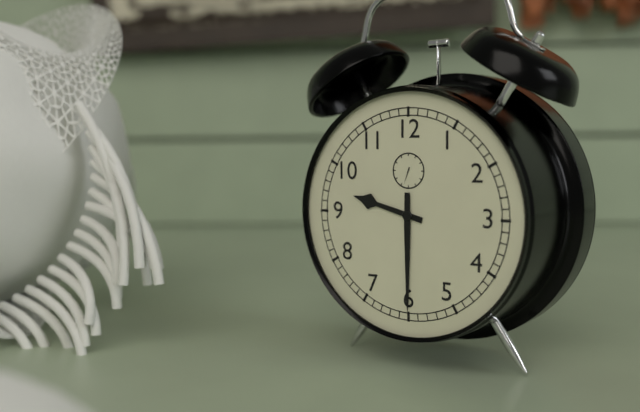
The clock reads 9h30
